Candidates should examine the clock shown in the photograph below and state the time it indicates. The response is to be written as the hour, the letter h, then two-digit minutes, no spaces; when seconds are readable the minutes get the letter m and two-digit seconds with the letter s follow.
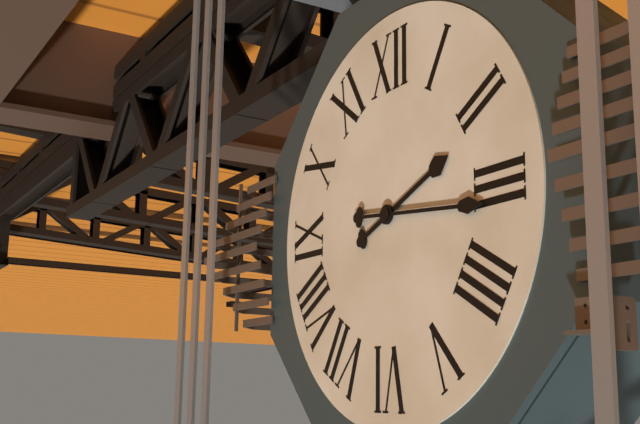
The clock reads 2h16
